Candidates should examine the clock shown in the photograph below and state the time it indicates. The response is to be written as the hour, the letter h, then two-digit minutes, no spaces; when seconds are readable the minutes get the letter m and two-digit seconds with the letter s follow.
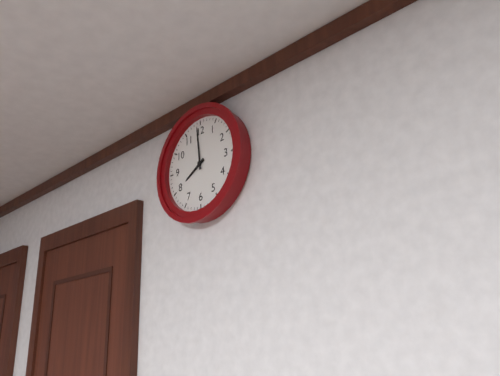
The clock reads 7h59
